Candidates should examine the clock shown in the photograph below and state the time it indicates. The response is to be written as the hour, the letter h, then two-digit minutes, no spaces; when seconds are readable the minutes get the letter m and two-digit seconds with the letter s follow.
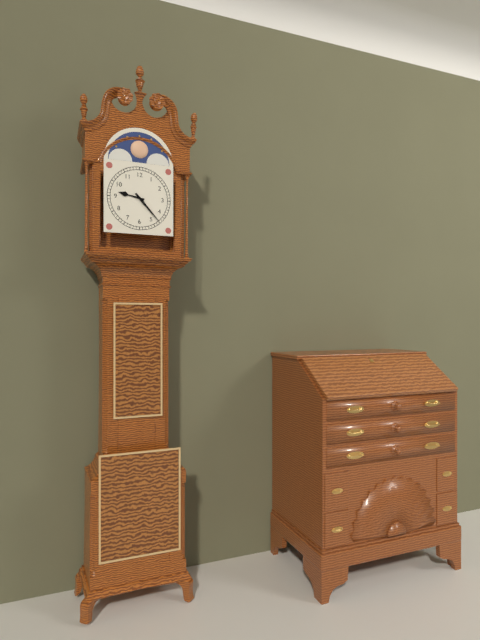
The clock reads 9h23
